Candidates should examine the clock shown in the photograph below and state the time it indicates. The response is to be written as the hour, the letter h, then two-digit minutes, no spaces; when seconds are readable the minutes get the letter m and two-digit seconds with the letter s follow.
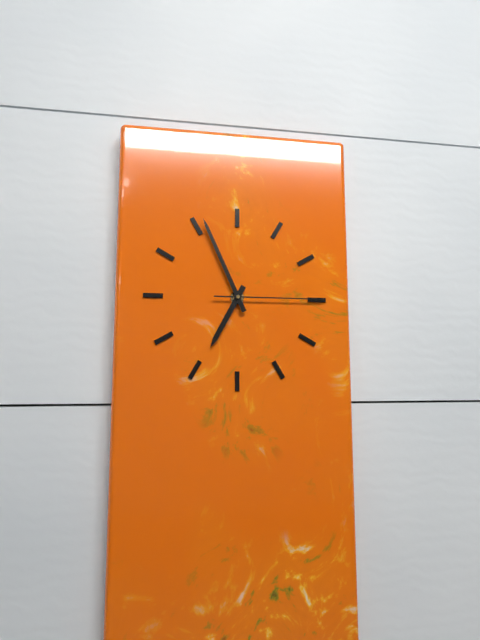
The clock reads 6h56m15s
